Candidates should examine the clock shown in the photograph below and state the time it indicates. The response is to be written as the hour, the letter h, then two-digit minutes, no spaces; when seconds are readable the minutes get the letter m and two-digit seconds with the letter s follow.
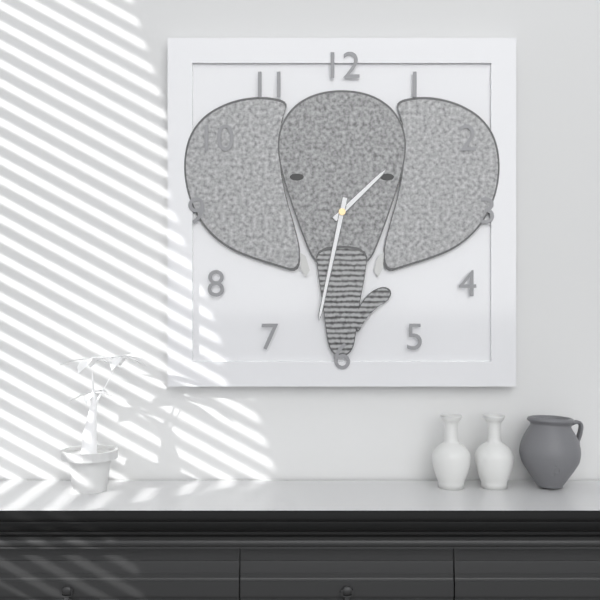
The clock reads 1h32
